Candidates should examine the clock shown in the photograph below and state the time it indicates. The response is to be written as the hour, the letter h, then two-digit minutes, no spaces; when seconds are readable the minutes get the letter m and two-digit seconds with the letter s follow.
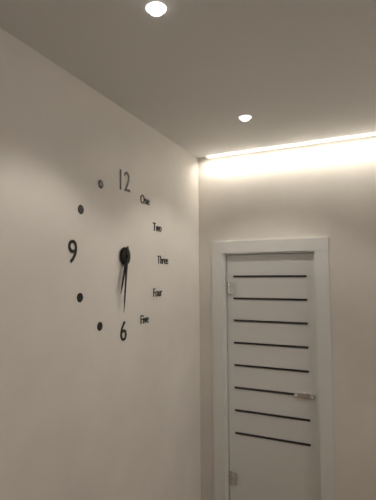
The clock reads 6h31
